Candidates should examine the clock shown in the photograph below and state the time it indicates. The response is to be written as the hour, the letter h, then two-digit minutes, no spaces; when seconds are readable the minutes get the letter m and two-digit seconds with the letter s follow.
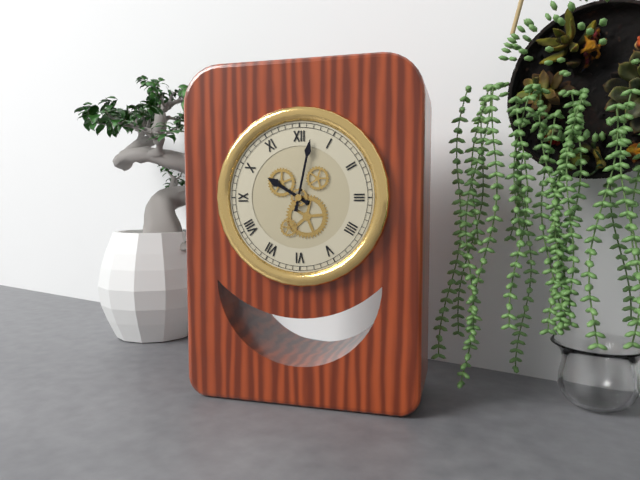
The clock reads 10h02
